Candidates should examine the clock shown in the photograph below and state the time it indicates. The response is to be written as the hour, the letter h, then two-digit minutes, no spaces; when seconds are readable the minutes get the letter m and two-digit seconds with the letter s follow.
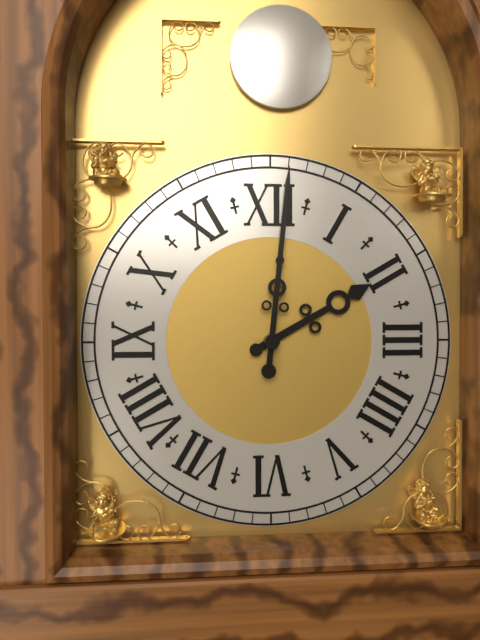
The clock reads 2h01
